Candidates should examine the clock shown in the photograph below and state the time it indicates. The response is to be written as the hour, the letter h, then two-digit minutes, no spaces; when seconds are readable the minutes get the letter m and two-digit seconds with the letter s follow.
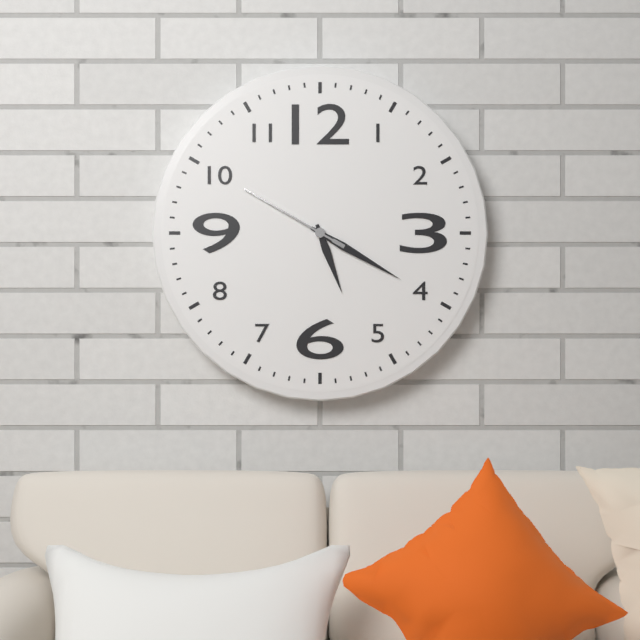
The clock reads 5h20m50s
